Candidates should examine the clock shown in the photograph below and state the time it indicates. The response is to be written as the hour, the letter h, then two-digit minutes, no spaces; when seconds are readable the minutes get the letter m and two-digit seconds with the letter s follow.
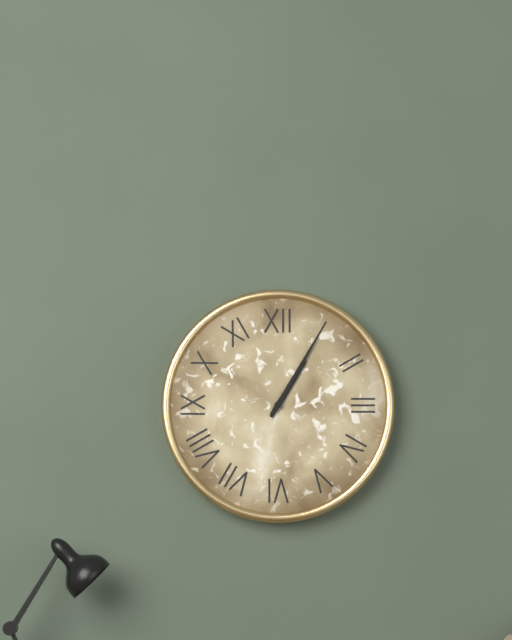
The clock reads 1h05
